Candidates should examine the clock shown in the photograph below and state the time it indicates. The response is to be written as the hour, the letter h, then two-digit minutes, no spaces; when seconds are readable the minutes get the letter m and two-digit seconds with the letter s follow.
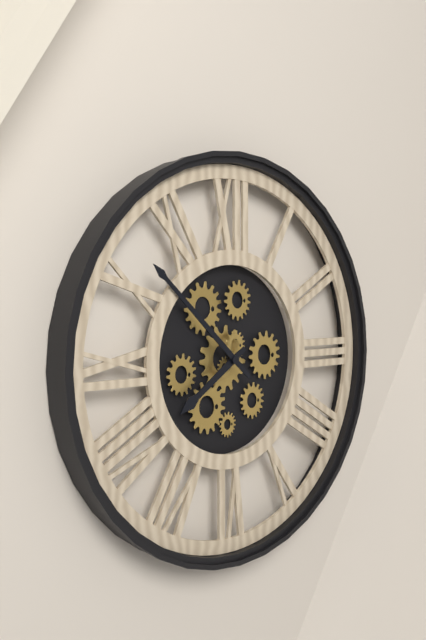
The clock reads 7h52
